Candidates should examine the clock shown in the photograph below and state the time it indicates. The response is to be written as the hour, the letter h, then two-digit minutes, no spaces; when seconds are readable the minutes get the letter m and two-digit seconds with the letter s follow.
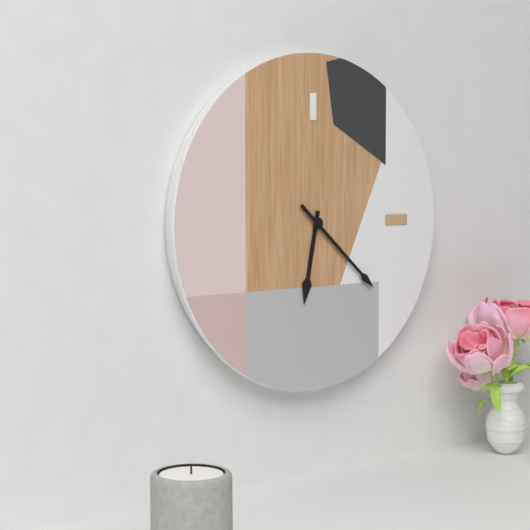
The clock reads 6h22
